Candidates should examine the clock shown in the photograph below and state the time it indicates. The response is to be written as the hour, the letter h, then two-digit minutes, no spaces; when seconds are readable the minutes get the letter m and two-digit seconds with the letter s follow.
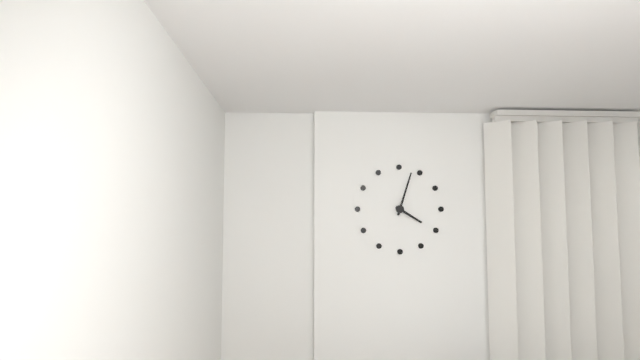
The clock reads 4h03
